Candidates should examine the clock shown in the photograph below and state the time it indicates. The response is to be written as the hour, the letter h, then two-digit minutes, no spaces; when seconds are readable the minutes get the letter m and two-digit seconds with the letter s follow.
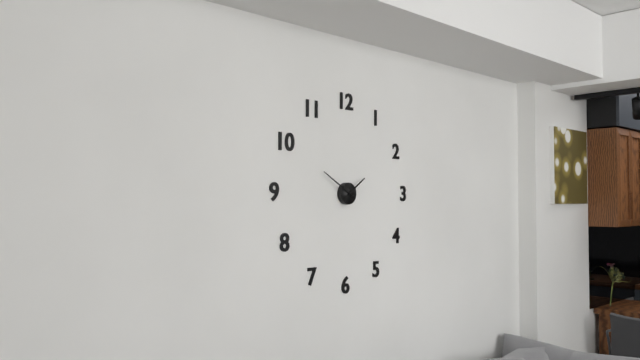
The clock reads 1h50
